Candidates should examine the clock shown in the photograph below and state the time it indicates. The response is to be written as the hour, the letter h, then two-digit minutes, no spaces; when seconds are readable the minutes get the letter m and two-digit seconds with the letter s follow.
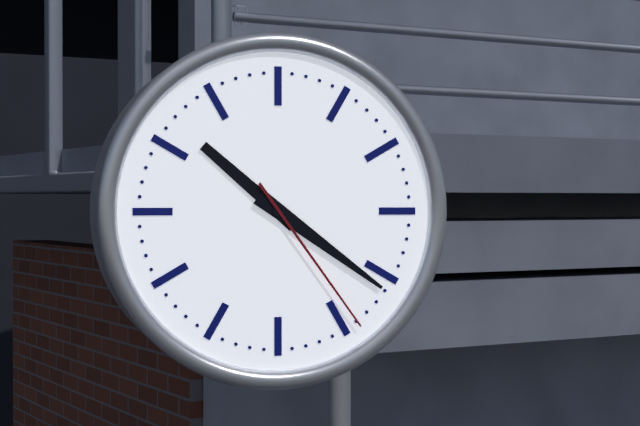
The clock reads 10h21m24s
